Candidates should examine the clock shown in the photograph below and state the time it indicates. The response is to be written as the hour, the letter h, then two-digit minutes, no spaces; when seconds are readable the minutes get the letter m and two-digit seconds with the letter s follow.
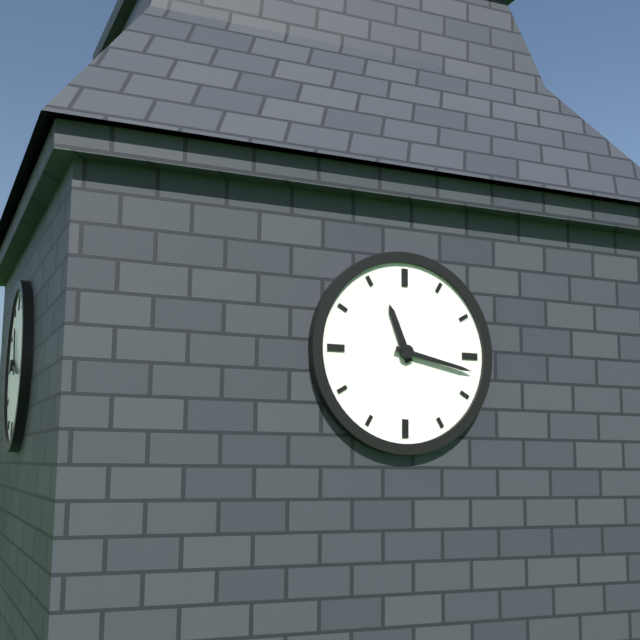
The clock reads 11h17
